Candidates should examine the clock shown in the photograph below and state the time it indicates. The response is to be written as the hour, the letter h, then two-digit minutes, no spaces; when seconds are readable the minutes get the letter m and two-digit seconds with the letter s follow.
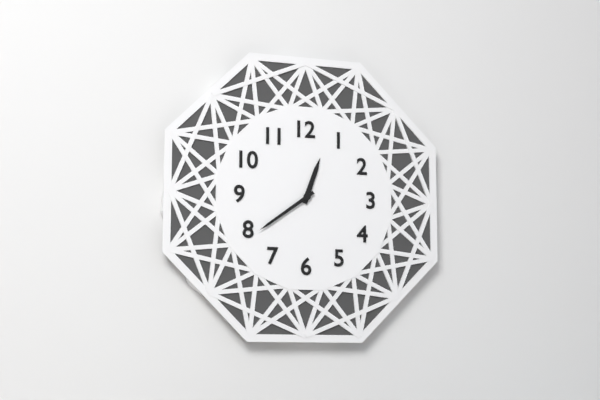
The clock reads 12h39
